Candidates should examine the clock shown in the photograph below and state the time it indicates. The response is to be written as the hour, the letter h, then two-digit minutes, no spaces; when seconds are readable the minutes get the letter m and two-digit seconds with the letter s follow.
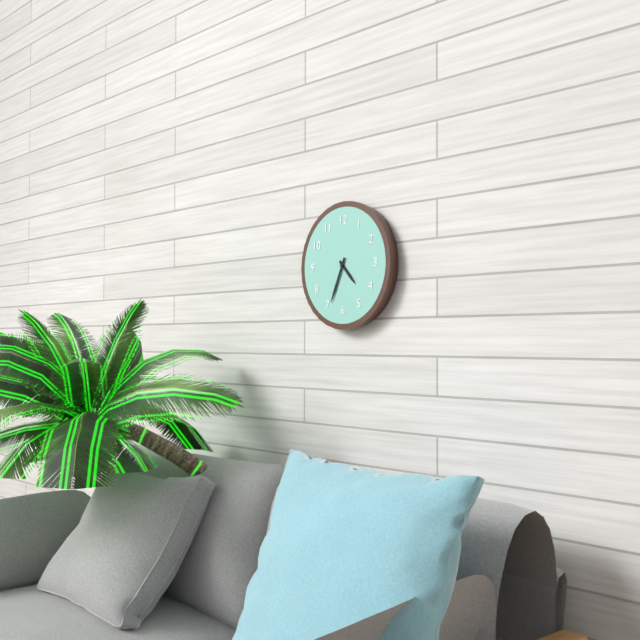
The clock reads 4h34
